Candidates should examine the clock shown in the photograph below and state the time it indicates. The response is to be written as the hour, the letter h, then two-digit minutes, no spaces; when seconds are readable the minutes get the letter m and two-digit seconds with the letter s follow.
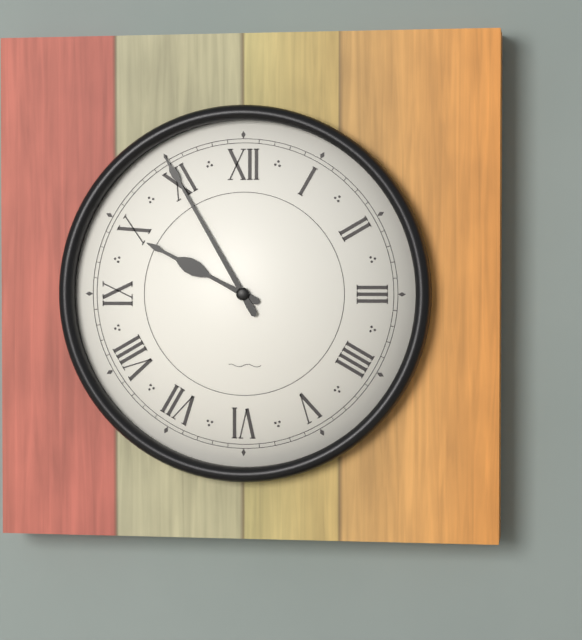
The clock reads 9h55
